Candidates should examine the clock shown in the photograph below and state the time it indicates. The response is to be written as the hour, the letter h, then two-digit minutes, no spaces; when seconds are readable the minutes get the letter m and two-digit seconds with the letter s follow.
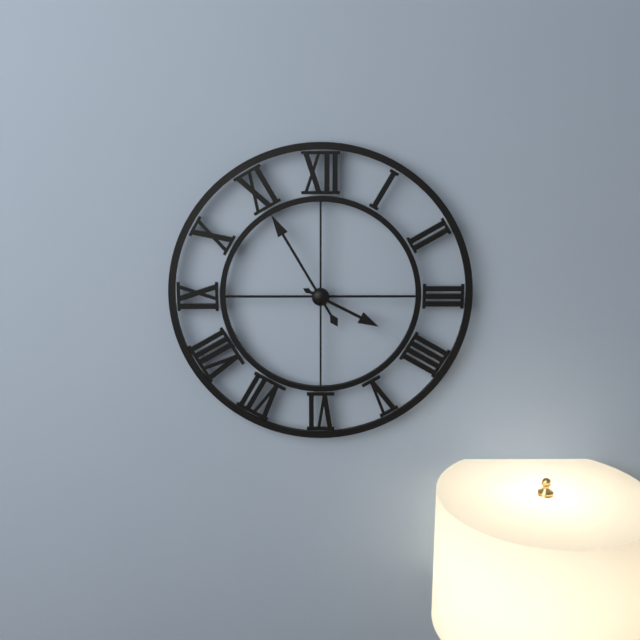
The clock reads 3h55
